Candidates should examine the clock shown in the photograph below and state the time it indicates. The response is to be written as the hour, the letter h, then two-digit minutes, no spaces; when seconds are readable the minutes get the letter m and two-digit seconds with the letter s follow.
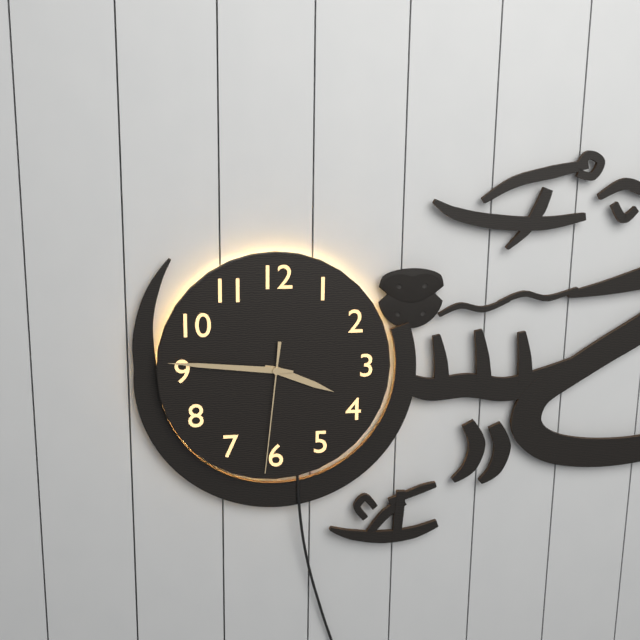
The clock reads 3h46m31s
